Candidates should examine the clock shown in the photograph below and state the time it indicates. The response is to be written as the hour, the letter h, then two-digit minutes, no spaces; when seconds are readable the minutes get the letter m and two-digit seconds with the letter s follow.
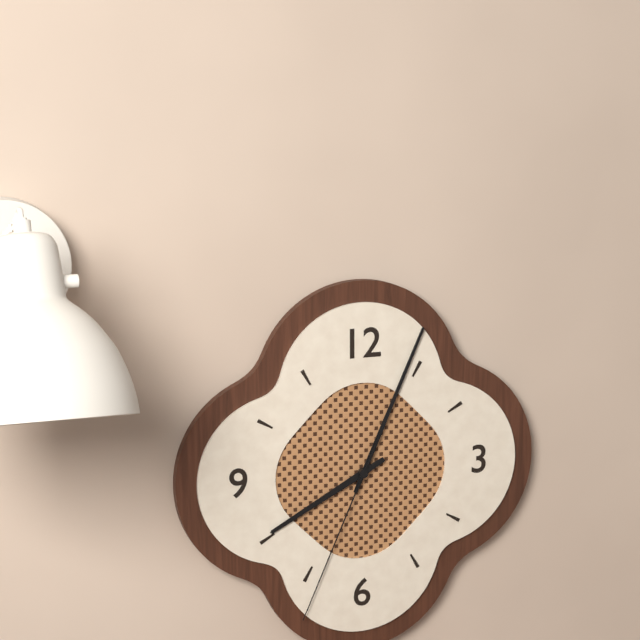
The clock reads 8h04m34s
